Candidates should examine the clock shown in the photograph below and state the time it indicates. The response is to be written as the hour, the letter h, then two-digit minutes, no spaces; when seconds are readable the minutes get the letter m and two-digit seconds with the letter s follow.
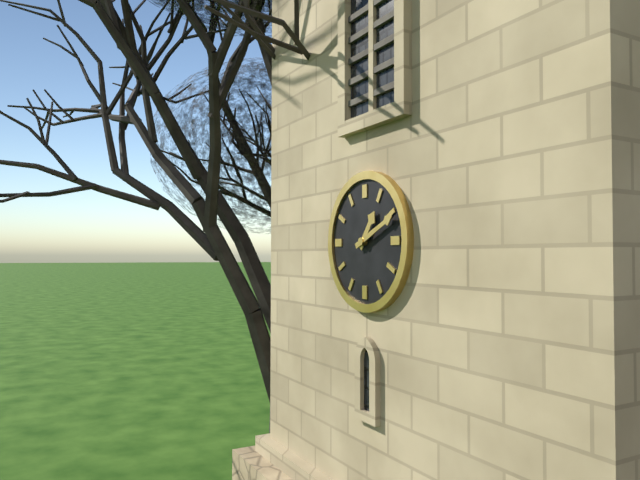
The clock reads 1h11
